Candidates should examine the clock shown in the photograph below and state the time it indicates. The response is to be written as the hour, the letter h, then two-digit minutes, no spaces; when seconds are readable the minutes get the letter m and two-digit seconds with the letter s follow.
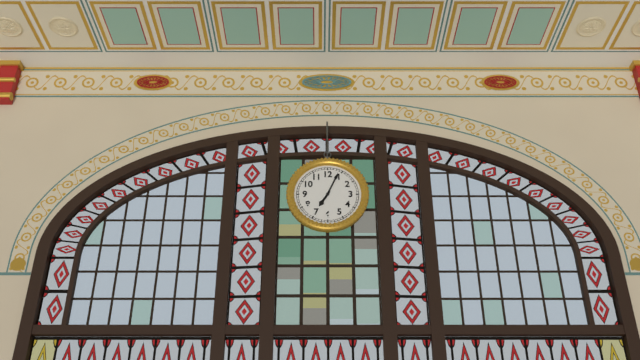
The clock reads 7h04
